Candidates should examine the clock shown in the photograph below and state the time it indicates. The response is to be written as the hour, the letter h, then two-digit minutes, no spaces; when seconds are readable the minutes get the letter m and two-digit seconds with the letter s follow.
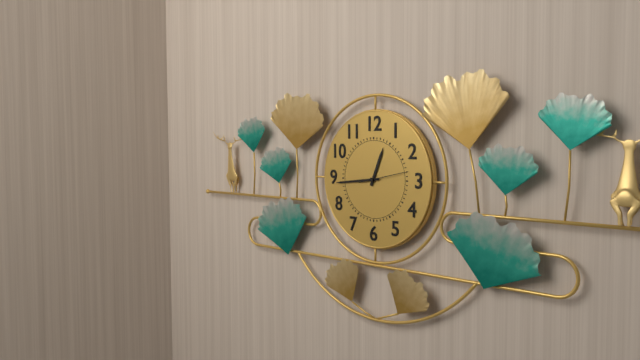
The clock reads 12h44
